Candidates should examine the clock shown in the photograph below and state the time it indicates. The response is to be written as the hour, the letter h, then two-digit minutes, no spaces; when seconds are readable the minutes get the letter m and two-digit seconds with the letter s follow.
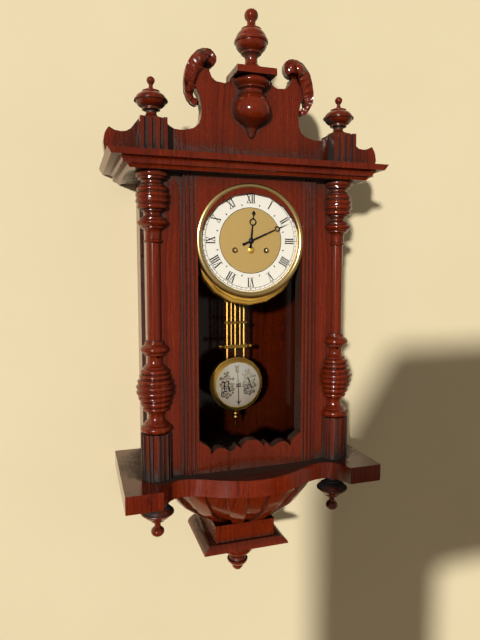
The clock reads 12h11
